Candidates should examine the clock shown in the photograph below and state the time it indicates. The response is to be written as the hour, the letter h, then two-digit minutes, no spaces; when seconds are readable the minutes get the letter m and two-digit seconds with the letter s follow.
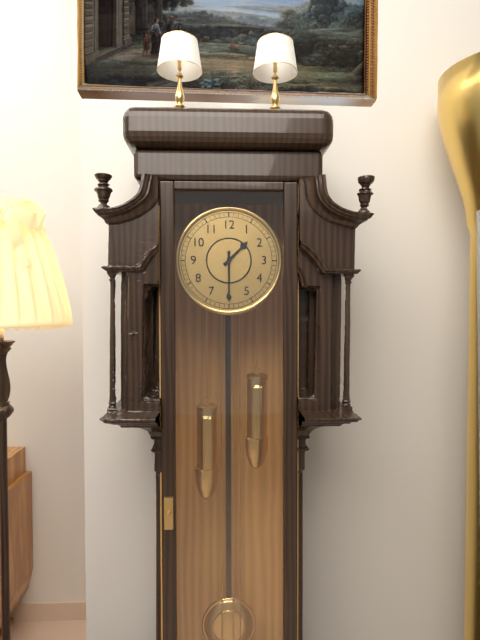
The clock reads 1h30
